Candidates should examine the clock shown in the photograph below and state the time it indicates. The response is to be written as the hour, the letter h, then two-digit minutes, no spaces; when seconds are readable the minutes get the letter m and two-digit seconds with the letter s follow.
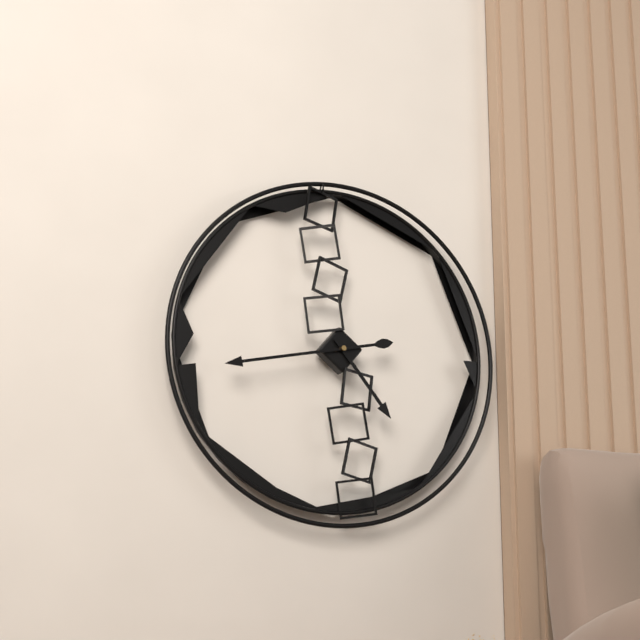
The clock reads 4h43
